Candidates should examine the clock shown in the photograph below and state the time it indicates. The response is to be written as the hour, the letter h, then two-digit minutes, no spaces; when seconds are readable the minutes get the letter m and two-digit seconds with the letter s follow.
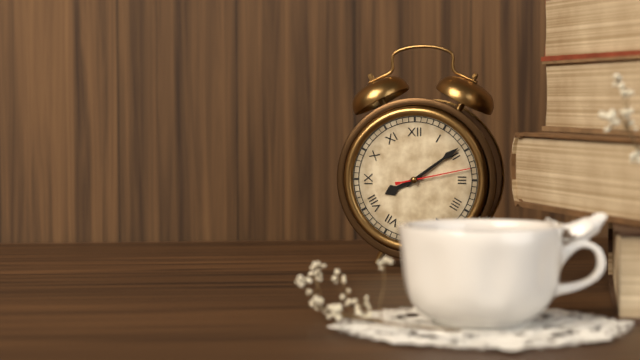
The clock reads 8h09m13s
